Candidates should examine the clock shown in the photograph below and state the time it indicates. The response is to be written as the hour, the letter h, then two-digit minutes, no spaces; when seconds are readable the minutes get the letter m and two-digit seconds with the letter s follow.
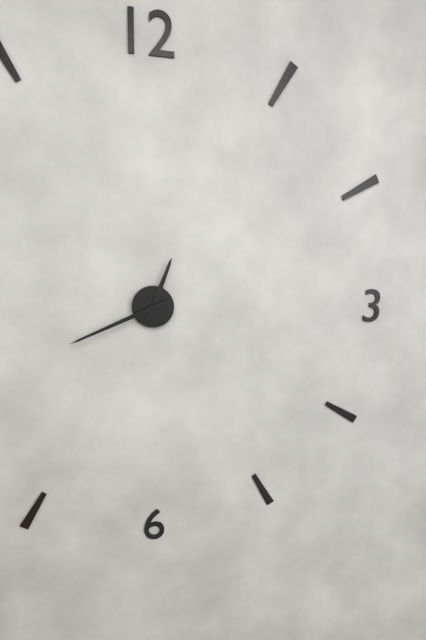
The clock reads 12h41
